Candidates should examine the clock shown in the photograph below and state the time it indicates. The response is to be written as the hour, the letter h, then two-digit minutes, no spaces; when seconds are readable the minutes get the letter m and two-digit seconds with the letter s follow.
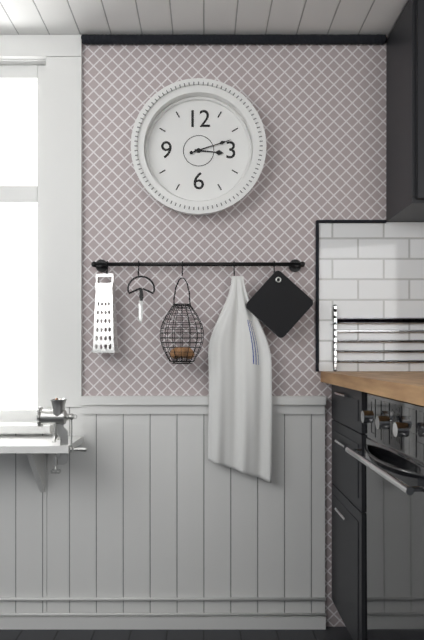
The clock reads 3h12
